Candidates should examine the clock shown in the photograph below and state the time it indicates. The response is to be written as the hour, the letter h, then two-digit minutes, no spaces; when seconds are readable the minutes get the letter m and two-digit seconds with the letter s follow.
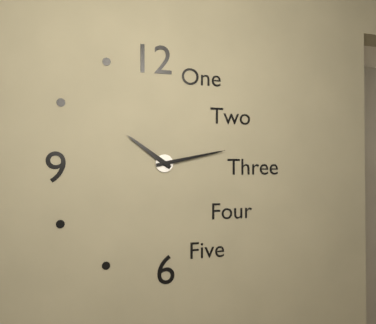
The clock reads 10h13
